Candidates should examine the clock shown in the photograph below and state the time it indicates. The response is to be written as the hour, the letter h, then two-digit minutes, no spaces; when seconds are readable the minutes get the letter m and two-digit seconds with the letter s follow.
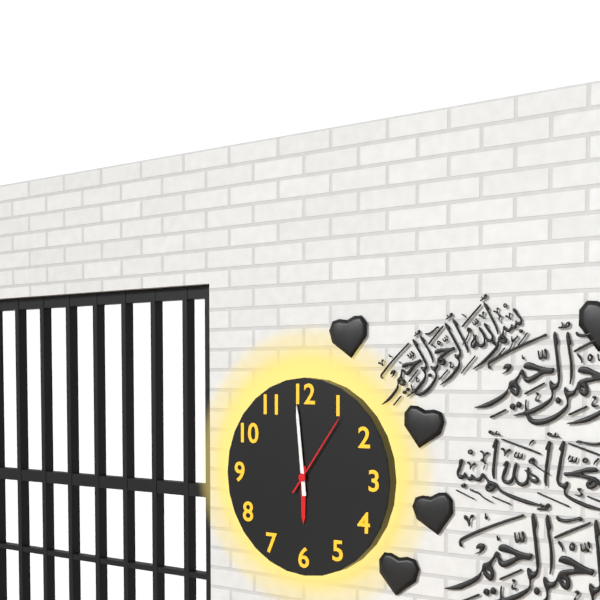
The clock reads 5h59m06s
